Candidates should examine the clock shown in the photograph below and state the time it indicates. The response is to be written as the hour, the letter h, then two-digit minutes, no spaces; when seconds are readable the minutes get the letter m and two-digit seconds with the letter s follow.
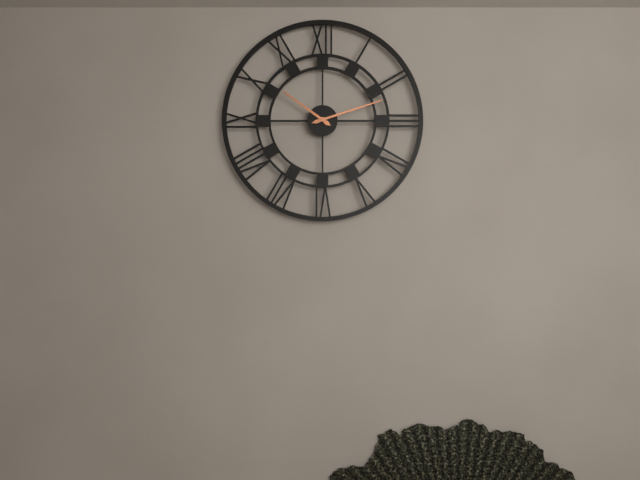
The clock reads 10h12
